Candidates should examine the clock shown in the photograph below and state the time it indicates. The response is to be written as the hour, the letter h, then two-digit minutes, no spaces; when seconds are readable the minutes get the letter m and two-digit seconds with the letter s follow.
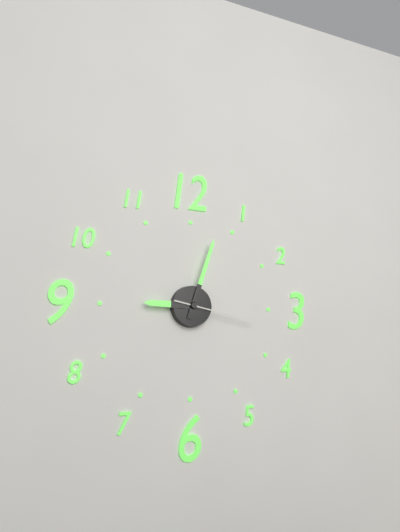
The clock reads 9h03m17s
